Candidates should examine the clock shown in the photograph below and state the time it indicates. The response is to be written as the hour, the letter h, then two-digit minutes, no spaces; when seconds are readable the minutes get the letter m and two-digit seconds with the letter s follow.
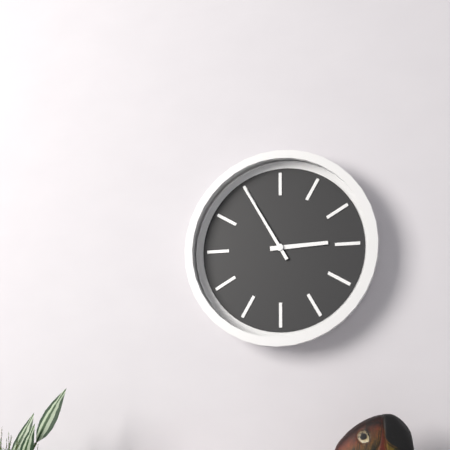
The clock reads 2h55
